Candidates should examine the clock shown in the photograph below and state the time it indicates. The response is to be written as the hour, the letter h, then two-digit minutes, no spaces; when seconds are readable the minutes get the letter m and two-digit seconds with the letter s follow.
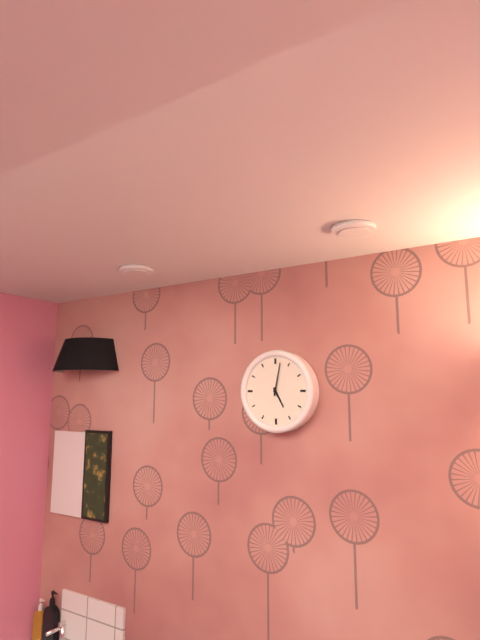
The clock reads 5h02
